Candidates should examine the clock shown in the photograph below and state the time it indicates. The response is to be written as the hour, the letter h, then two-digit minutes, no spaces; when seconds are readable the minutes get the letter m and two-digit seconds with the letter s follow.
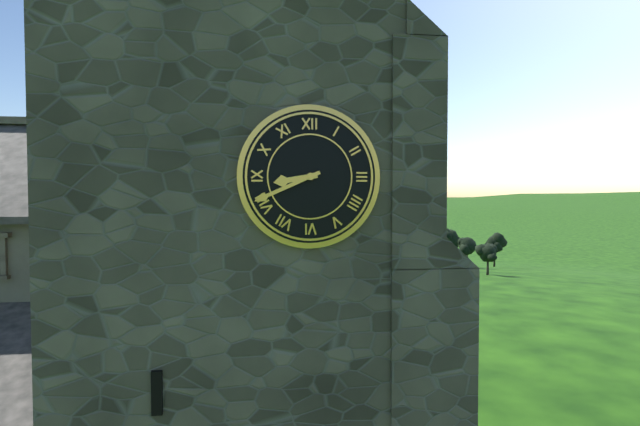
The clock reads 8h41
